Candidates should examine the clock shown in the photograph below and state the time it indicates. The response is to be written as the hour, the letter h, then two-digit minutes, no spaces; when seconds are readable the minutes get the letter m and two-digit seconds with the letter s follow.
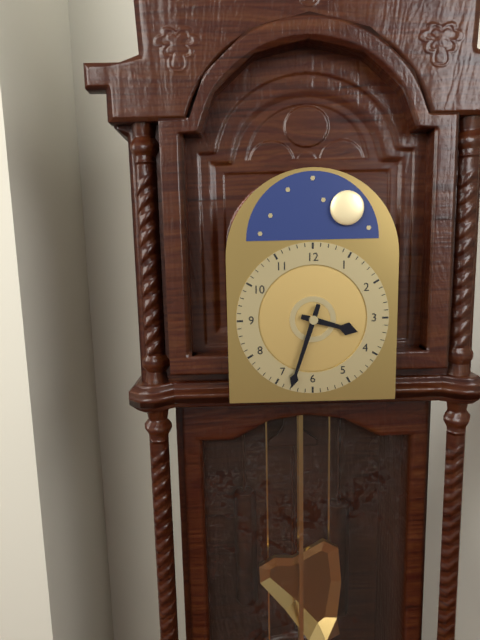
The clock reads 3h33
